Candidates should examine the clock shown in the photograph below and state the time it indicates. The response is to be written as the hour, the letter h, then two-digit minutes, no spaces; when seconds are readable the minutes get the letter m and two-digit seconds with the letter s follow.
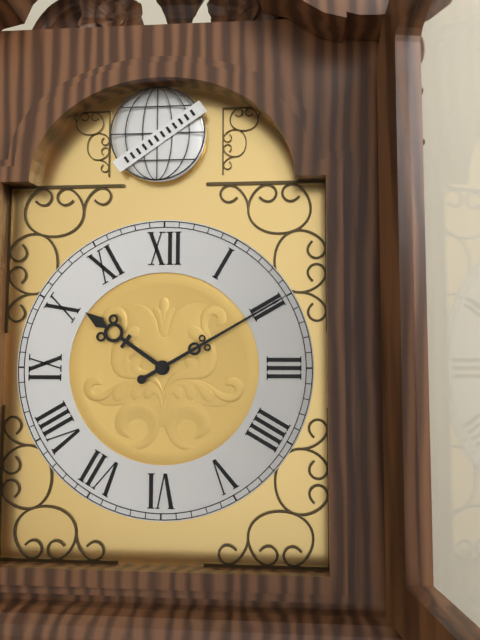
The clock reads 10h10
